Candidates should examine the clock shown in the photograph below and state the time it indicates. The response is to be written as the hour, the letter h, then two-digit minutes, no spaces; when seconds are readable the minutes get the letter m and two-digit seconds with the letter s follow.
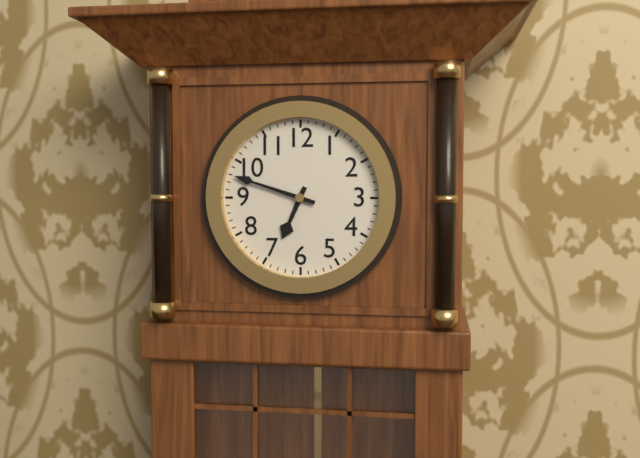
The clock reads 6h48
